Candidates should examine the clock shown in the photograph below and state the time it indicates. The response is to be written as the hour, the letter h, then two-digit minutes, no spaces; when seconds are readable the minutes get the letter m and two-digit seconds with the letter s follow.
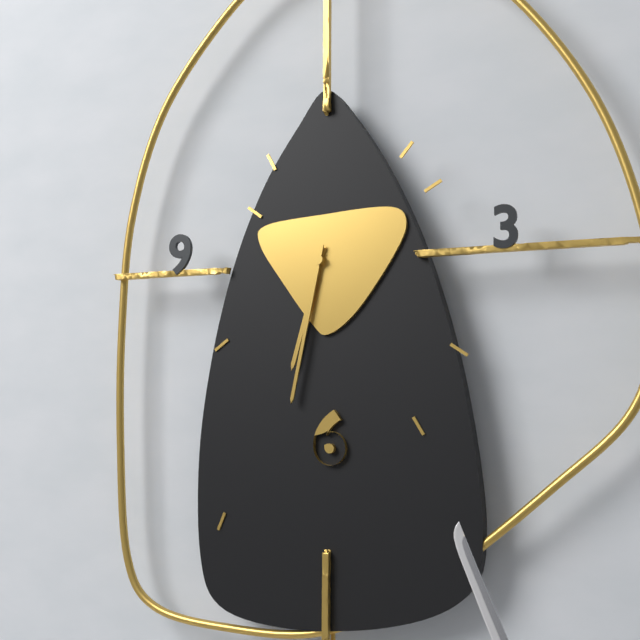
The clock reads 6h32
